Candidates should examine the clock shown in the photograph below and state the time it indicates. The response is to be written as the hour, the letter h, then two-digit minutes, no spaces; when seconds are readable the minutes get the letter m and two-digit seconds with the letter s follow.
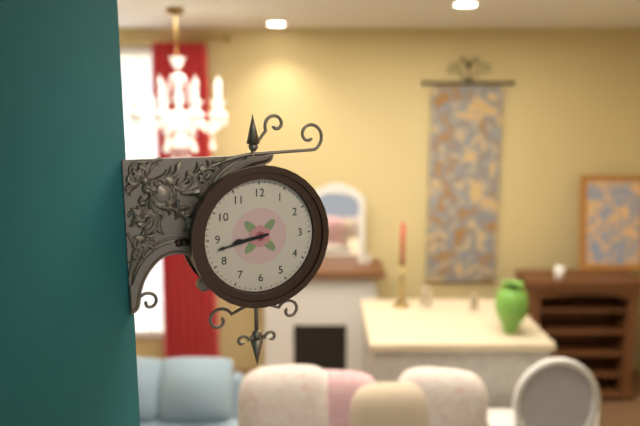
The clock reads 8h43
